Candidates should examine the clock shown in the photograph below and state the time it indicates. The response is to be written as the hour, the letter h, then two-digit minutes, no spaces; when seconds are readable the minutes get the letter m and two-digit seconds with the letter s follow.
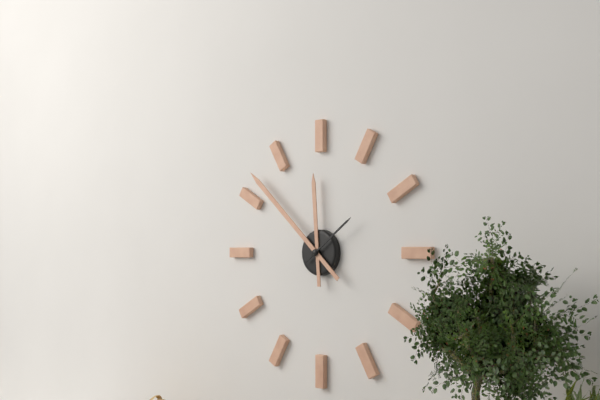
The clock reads 11h52m09s
